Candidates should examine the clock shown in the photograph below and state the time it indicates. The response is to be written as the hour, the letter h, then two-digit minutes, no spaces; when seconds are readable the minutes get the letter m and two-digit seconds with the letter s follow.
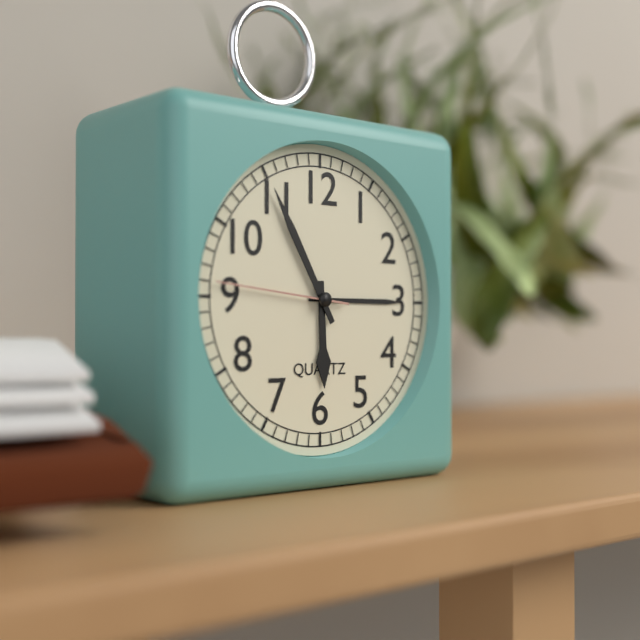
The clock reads 5h55m46s
